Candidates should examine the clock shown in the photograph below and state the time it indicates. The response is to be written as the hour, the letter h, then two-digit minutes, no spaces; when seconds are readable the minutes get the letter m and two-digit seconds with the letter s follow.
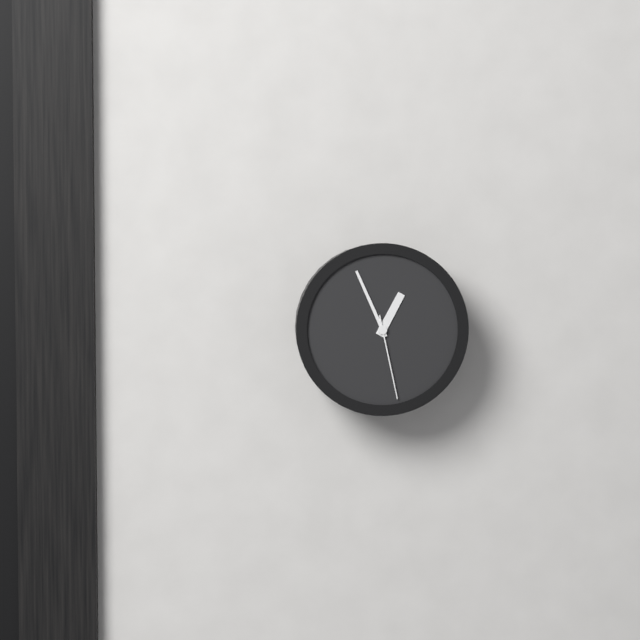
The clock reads 12h56m28s
